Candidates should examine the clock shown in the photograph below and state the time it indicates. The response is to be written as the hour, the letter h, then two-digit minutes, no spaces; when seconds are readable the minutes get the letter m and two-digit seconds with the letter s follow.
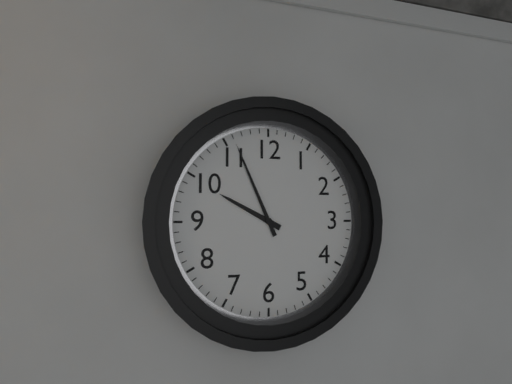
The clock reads 9h56
